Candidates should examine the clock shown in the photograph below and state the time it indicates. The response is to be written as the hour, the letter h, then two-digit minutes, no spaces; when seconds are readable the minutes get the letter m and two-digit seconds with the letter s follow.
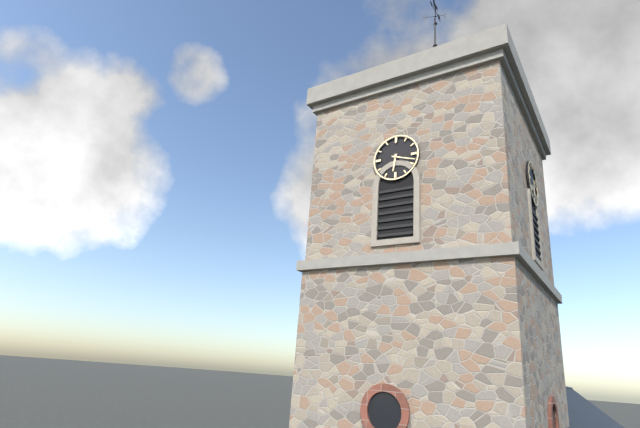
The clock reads 6h18
